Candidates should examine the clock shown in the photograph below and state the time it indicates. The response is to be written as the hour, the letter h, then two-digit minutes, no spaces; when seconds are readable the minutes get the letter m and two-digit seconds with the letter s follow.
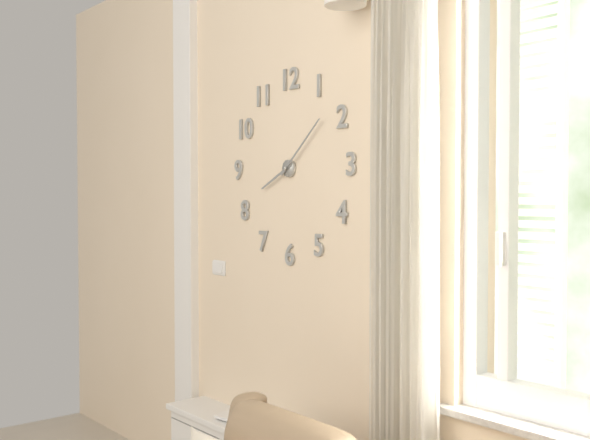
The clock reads 8h08
